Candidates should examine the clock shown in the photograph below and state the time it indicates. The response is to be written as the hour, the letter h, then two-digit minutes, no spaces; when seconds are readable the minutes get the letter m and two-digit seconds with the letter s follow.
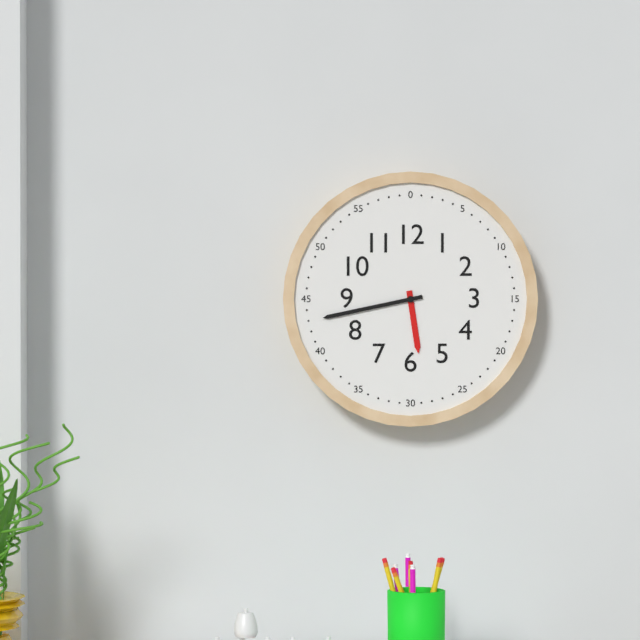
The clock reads 5h43
